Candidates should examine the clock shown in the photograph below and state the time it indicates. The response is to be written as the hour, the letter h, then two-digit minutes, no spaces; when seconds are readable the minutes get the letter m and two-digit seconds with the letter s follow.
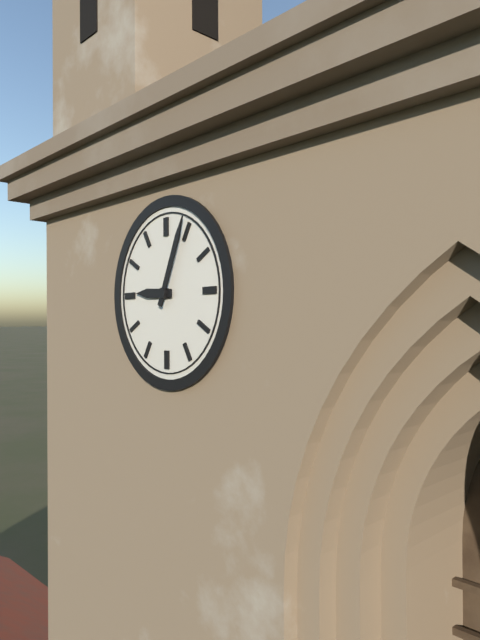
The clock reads 9h04
